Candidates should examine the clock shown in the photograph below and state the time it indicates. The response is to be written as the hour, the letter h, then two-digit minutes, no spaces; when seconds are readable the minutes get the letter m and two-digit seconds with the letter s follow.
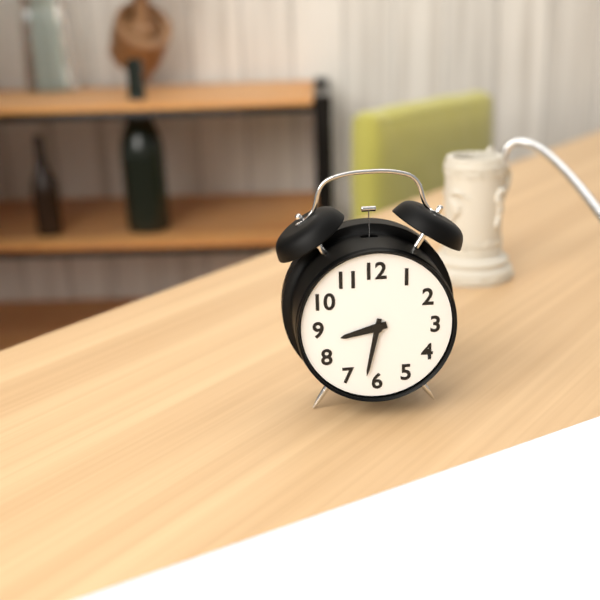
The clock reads 8h32
